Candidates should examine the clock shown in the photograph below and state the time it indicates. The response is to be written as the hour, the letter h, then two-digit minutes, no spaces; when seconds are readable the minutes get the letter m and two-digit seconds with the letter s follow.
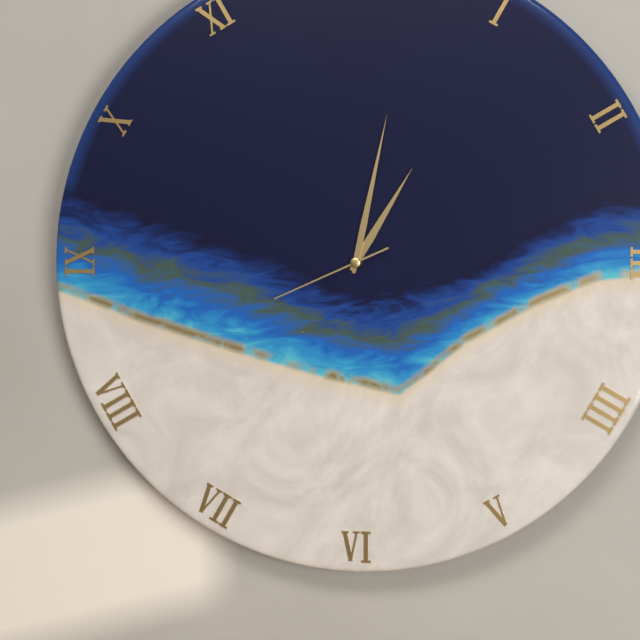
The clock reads 1h02m41s
